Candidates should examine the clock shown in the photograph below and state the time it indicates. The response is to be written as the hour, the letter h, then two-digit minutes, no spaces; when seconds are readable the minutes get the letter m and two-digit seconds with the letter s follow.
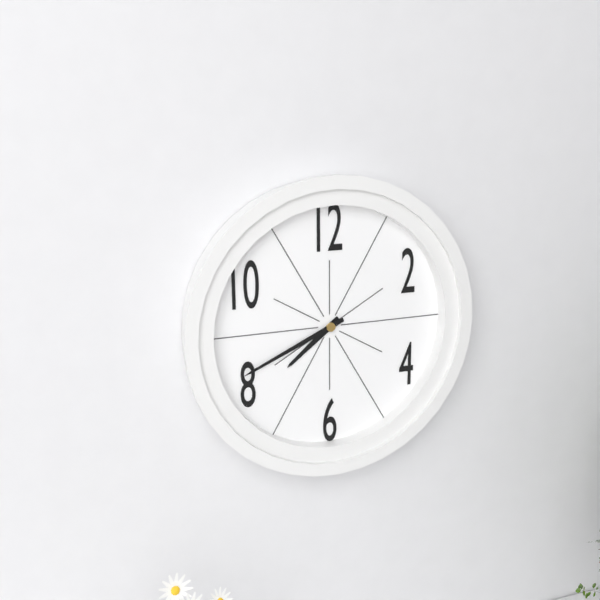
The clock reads 7h41
